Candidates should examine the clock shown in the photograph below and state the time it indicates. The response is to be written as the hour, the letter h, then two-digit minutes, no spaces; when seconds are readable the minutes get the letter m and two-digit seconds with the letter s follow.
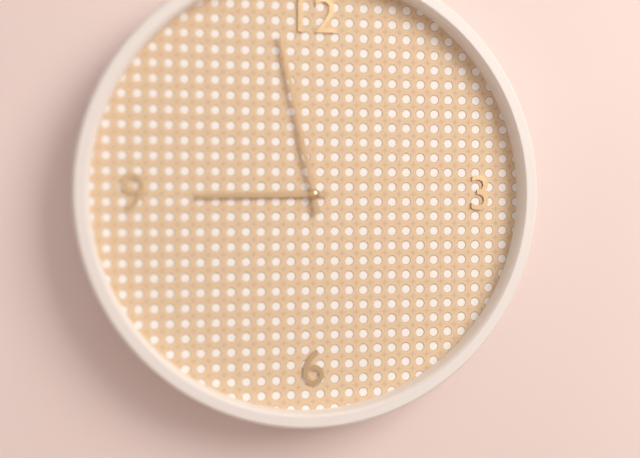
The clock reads 8h58
